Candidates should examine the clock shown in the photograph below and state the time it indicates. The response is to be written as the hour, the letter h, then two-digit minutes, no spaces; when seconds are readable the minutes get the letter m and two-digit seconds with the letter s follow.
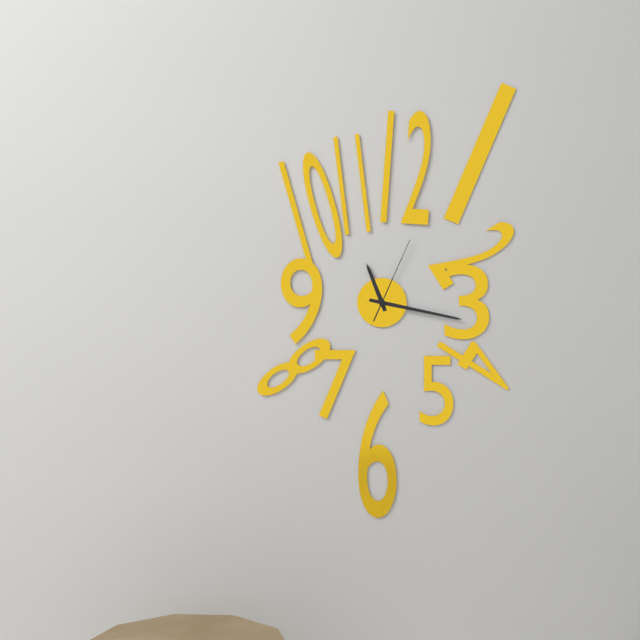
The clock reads 11h17m04s
